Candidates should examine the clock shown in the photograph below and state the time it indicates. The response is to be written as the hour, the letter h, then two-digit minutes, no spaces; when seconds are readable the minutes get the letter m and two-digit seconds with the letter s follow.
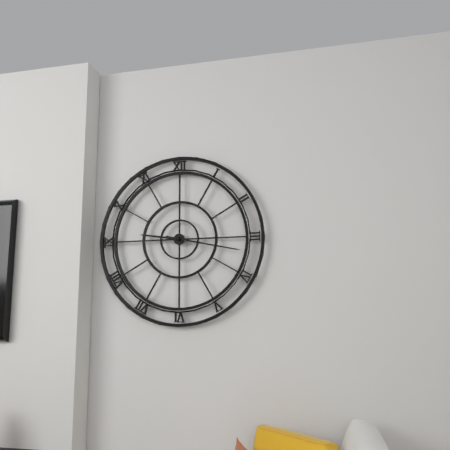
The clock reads 9h17
